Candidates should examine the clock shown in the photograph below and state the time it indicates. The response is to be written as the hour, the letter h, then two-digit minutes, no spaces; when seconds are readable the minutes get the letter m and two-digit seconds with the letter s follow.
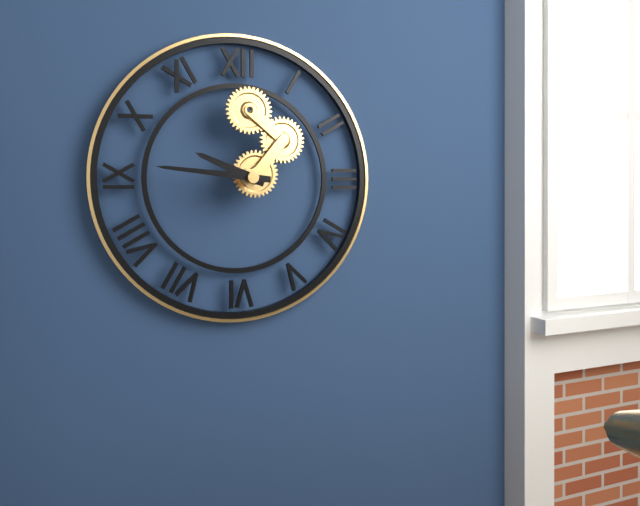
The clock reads 9h46
